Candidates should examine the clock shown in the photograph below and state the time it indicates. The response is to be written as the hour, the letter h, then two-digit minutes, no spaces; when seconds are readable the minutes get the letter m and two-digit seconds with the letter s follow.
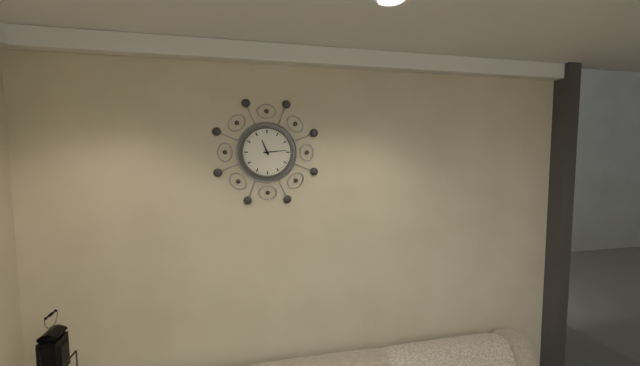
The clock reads 11h14
